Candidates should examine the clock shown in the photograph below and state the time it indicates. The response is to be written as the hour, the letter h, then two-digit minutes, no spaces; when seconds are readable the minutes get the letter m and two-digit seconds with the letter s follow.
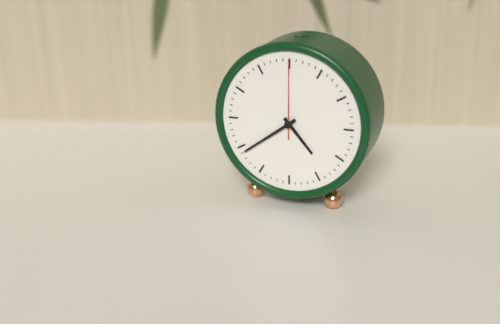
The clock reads 4h39m00s
